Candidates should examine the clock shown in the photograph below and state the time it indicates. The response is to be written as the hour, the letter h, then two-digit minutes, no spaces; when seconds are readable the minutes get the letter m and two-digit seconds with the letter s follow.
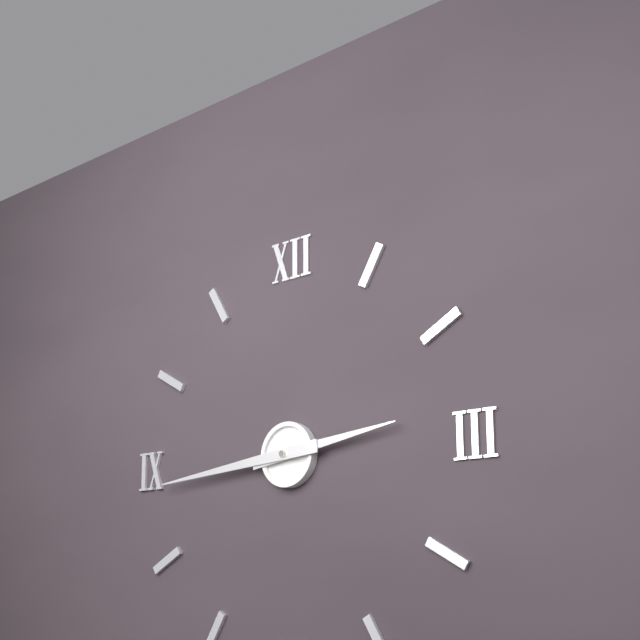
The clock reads 2h44
